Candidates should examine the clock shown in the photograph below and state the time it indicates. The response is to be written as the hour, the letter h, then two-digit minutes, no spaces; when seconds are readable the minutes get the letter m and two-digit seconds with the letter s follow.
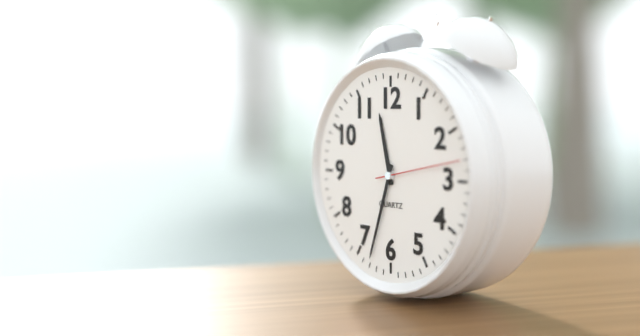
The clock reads 11h33m13s
